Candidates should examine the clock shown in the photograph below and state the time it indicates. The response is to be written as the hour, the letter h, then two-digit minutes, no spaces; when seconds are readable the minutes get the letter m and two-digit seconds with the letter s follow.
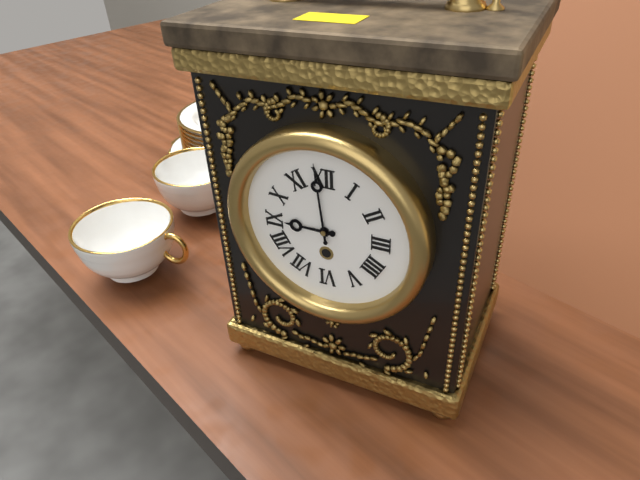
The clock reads 8h59
